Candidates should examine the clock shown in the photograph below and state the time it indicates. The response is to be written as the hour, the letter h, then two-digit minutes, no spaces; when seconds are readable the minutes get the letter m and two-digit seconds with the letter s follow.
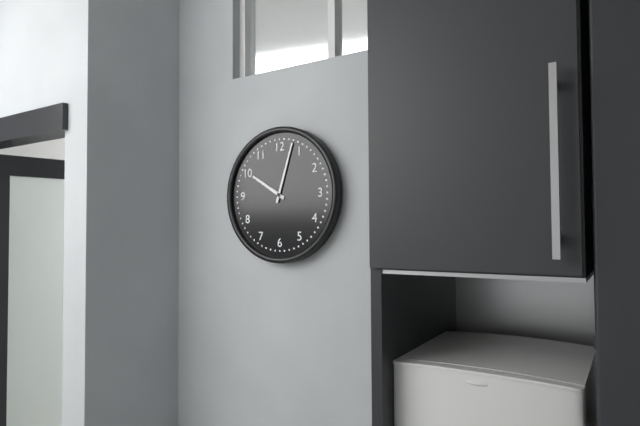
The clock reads 10h03
